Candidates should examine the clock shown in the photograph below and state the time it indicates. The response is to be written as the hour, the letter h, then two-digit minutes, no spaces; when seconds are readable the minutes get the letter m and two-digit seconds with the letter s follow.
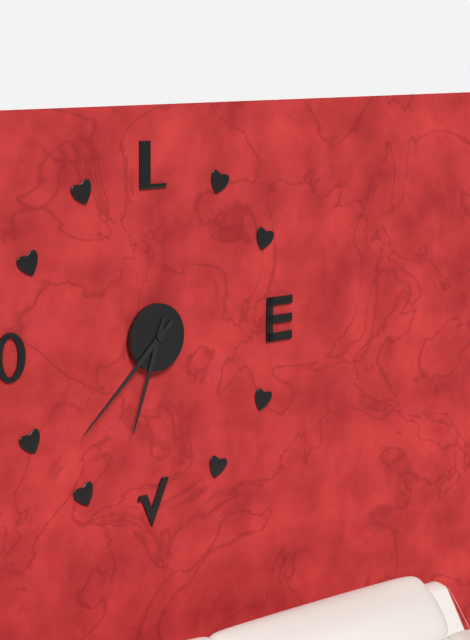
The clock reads 6h38
